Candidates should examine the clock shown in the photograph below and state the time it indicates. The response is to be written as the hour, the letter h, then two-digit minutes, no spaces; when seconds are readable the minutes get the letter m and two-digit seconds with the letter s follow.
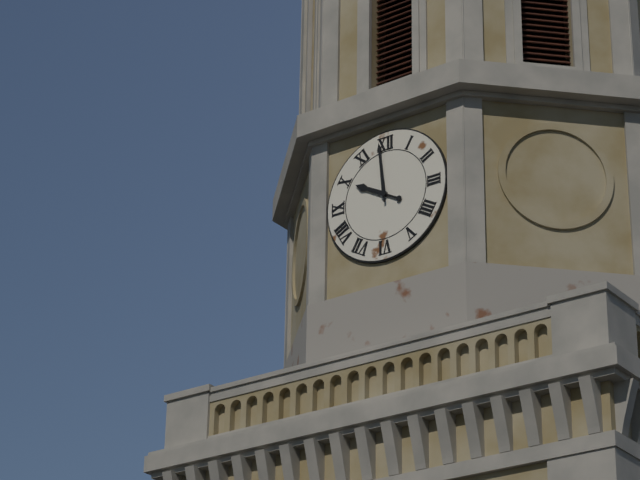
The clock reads 9h59
